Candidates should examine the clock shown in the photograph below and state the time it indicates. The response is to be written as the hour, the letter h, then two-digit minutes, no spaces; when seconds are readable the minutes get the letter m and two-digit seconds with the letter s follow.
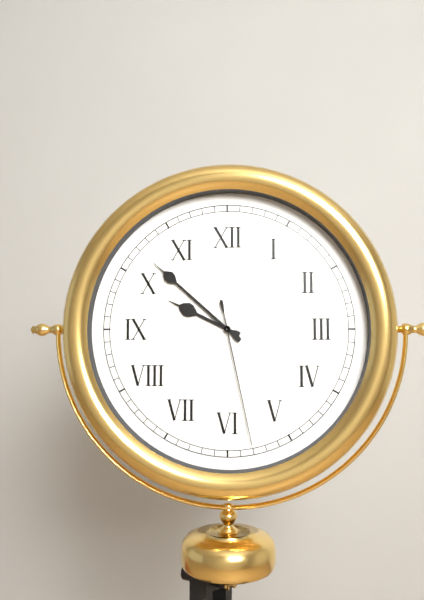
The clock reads 9h52m28s
